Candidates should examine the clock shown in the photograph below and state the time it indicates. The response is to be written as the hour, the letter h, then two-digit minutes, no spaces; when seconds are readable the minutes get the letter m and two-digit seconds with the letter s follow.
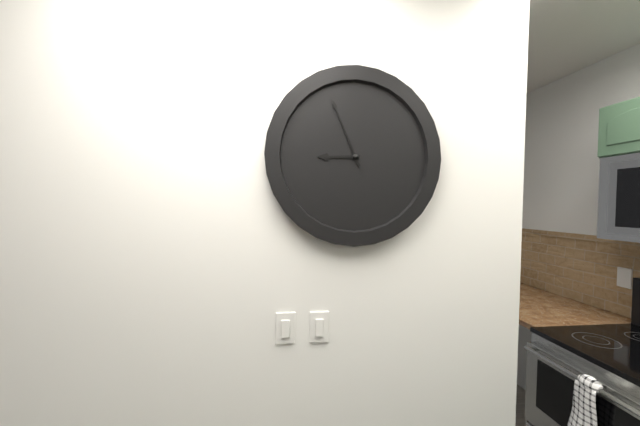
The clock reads 8h56
